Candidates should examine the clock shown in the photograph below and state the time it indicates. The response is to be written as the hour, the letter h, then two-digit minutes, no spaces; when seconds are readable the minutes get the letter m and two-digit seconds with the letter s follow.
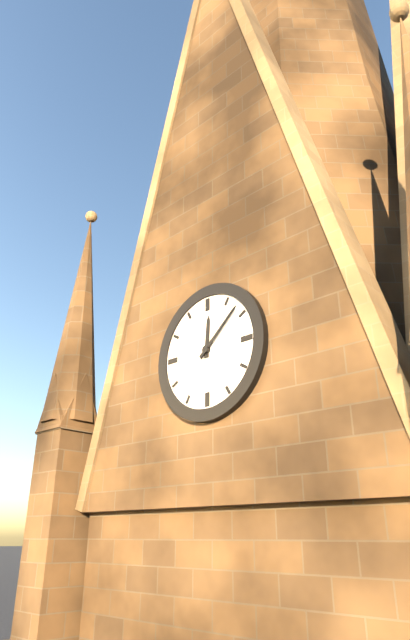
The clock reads 12h08
